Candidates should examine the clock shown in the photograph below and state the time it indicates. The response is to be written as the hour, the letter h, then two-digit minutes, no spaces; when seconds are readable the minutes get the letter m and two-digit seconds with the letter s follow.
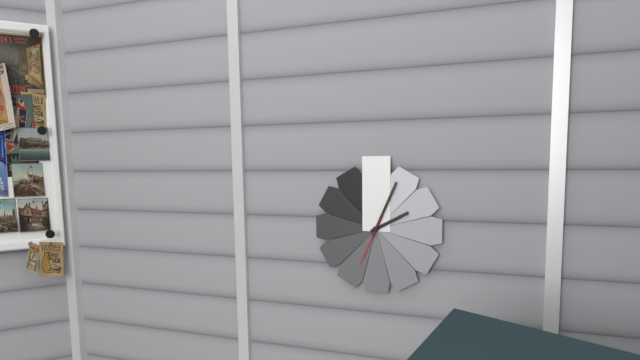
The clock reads 2h04
